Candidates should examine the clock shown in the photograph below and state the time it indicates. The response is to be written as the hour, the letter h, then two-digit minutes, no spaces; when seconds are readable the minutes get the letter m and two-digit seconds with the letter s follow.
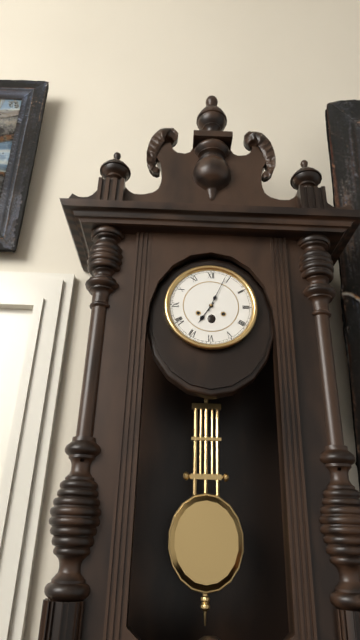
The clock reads 7h04
